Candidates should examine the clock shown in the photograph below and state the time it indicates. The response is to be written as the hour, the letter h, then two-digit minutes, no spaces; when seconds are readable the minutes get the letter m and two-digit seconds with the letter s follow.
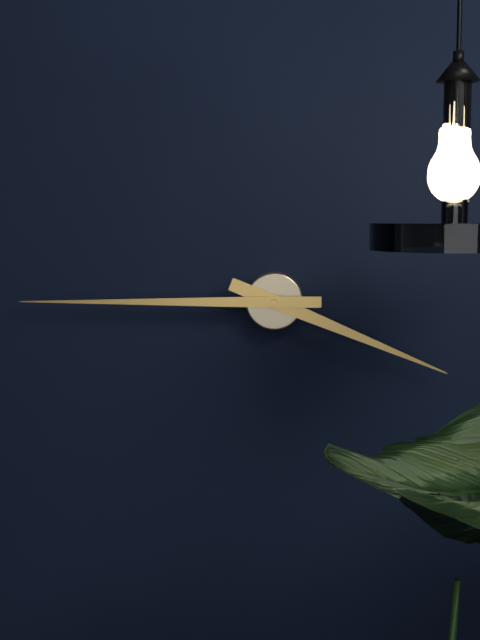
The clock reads 3h45
